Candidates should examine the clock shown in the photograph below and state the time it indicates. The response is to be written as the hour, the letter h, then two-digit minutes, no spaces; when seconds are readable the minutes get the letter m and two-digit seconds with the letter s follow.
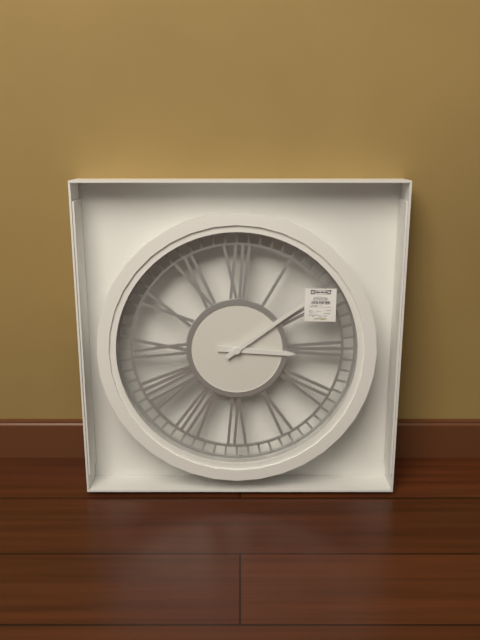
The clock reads 3h09
